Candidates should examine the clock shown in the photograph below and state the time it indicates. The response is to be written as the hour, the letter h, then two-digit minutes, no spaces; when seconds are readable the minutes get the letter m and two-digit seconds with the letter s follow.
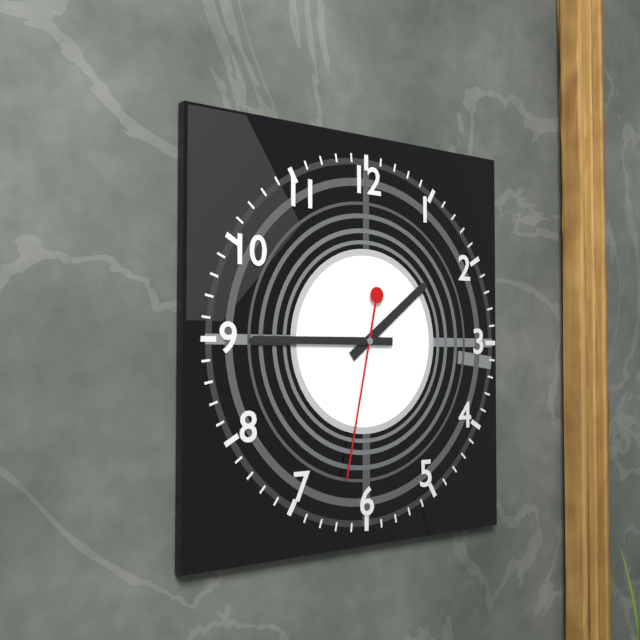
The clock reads 1h45m32s
